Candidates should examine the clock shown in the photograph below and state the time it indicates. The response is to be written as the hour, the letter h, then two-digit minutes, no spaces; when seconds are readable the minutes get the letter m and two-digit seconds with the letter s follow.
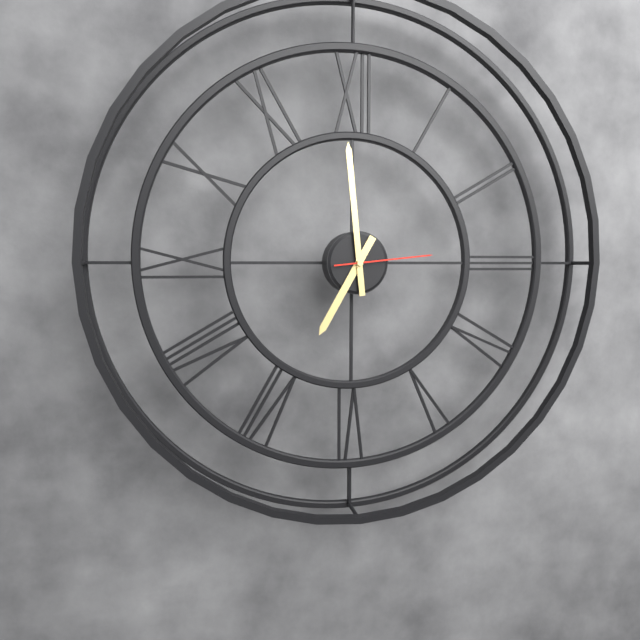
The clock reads 6h59m14s
